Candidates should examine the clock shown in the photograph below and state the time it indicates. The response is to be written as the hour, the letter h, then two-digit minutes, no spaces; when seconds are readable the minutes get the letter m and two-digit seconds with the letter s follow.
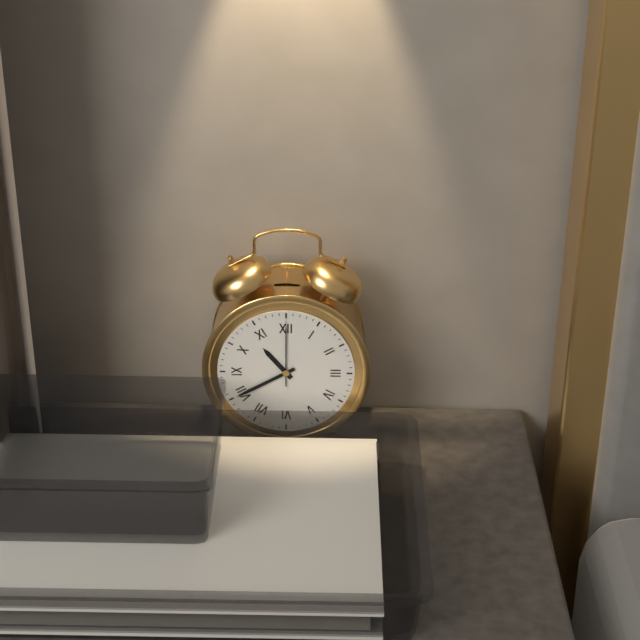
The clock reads 10h40m00s
